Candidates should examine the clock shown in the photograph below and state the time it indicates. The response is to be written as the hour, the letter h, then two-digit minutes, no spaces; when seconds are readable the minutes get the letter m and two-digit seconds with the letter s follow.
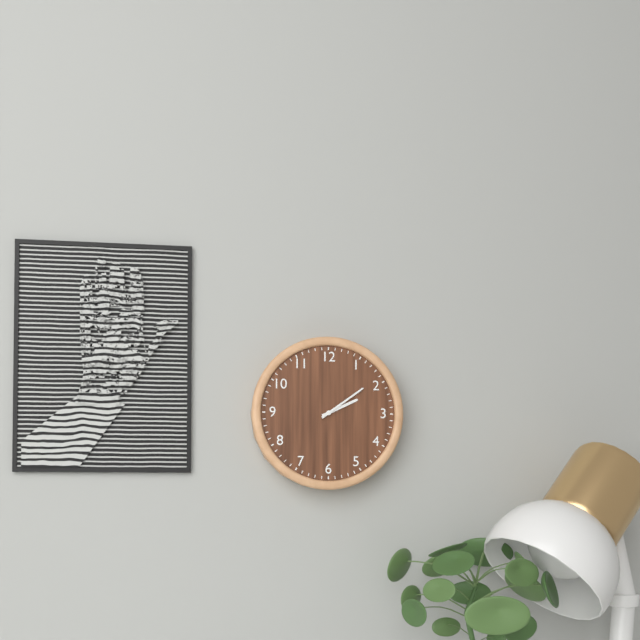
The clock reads 2h09
